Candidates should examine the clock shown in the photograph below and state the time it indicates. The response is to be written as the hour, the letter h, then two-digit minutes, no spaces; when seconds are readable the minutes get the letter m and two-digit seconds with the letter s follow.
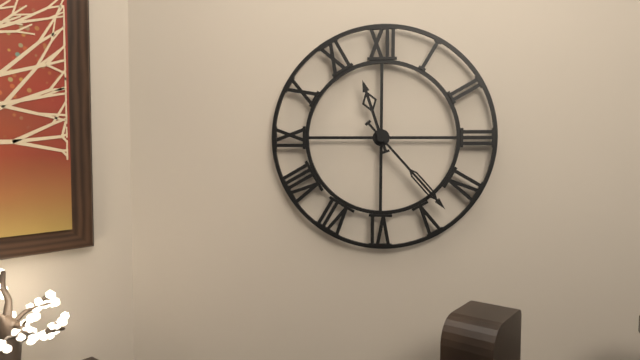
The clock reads 11h23
